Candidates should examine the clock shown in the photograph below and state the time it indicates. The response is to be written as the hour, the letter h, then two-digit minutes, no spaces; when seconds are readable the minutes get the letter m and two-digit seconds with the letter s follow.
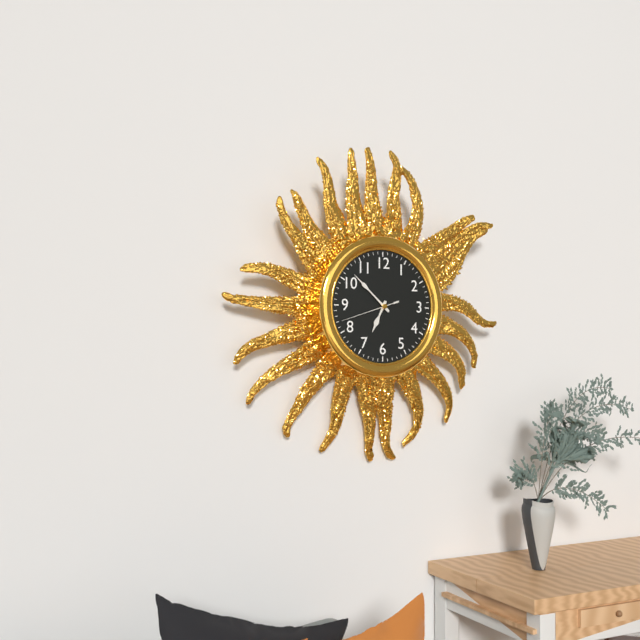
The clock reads 6h52m42s
